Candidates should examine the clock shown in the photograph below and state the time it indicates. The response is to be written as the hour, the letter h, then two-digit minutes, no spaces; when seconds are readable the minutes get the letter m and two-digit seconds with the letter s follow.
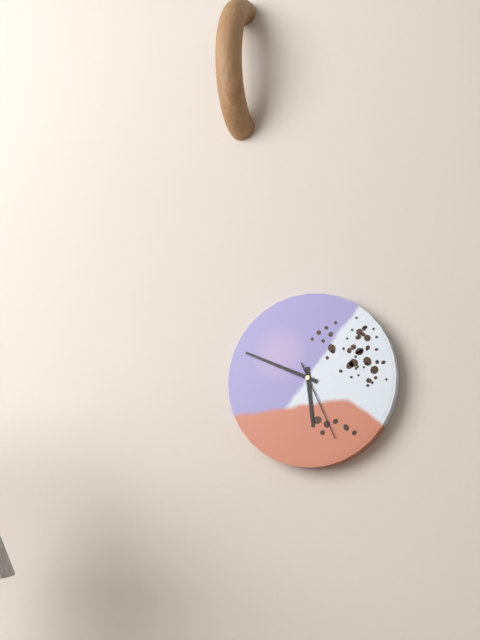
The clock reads 5h49m26s
